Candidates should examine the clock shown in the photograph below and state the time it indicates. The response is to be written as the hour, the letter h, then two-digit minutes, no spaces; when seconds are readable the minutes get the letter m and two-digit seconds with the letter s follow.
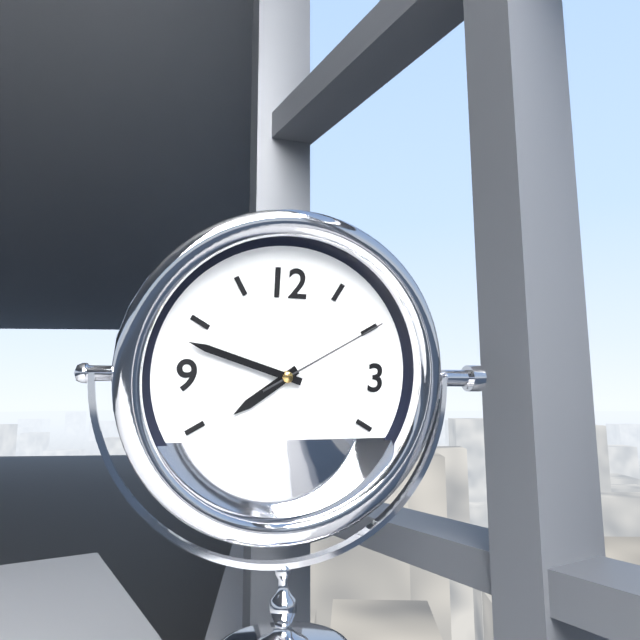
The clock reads 7h48m10s
